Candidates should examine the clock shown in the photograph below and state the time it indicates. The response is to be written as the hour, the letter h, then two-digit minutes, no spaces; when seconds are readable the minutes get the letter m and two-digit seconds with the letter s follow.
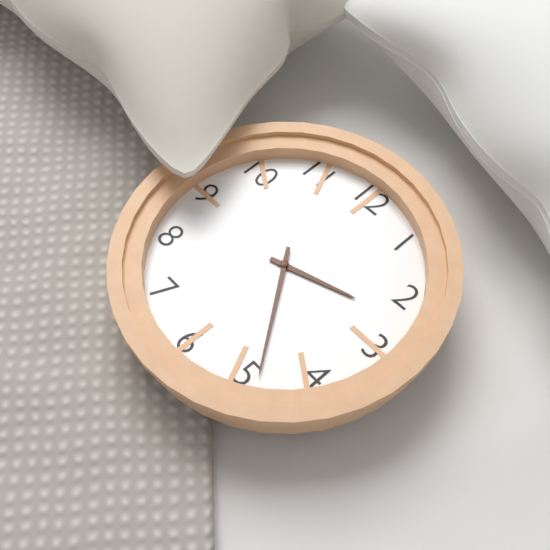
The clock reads 2h24
